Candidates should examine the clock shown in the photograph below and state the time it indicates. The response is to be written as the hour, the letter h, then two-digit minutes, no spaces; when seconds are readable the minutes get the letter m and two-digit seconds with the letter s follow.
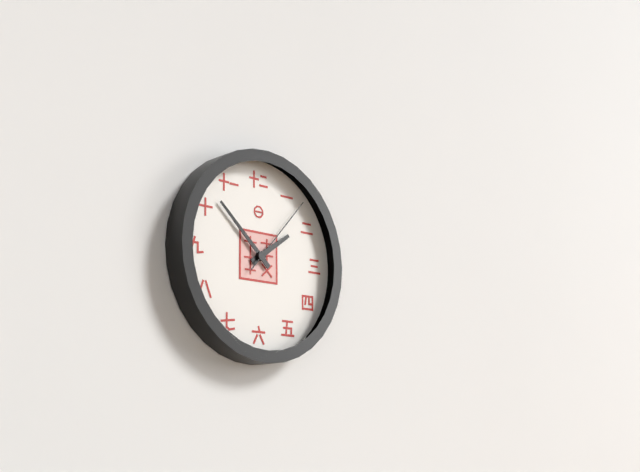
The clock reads 1h52m07s
